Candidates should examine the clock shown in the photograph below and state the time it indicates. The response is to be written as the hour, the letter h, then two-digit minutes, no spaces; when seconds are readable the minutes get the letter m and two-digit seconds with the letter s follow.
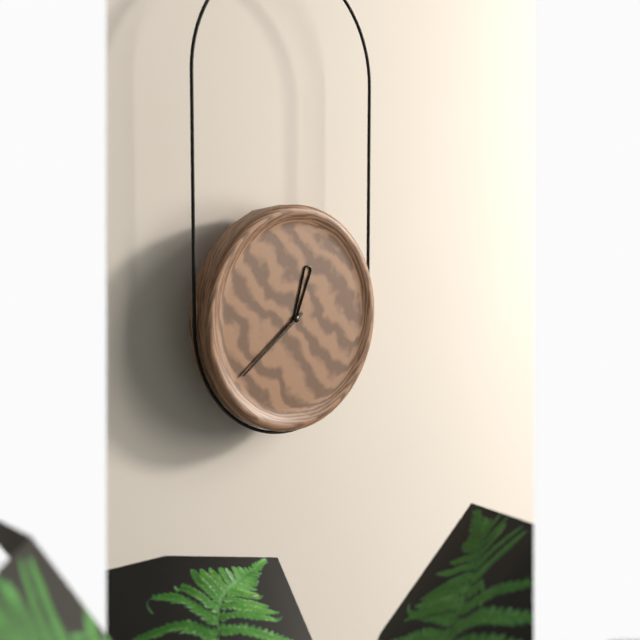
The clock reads 12h39
